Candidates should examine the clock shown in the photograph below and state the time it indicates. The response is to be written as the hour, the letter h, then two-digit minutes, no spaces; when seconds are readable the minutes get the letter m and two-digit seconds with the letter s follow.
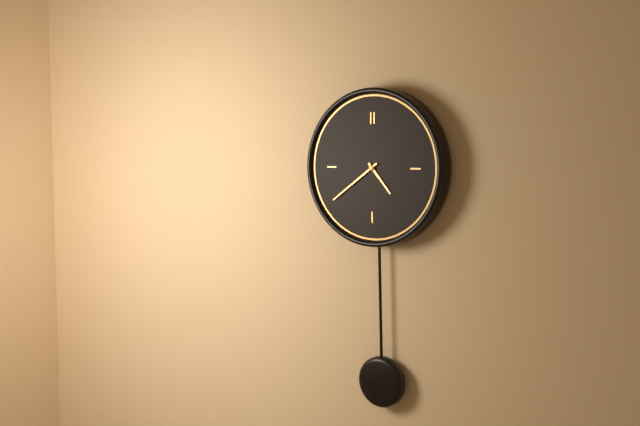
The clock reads 4h39
